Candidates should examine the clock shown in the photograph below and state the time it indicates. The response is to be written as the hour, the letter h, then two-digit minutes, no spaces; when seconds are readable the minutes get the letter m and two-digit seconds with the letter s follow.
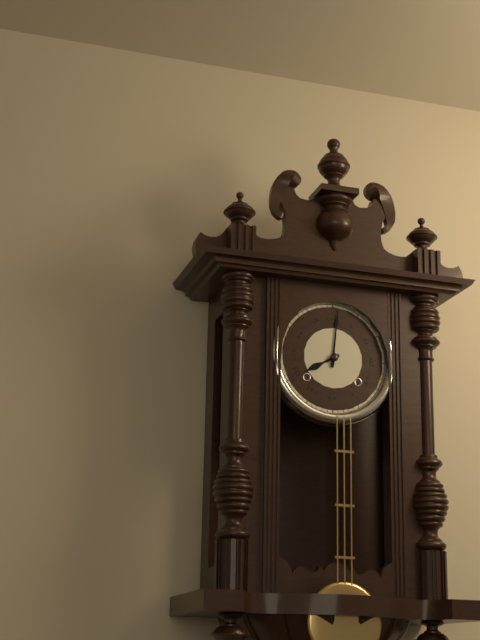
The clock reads 8h01
